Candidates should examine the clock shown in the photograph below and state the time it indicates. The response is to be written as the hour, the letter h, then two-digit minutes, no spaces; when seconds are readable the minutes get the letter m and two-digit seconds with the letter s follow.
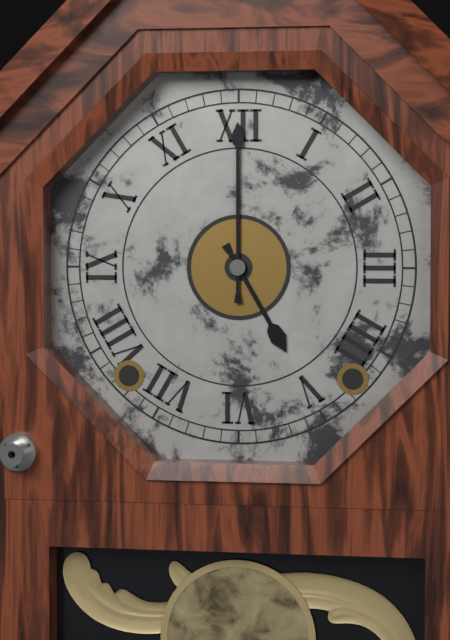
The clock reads 5h00
